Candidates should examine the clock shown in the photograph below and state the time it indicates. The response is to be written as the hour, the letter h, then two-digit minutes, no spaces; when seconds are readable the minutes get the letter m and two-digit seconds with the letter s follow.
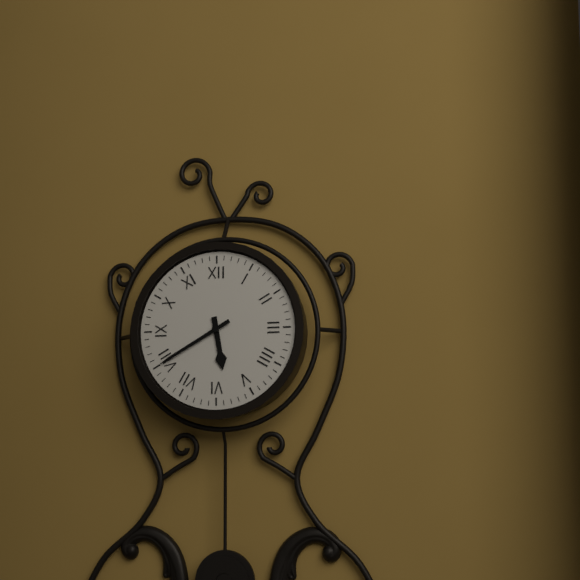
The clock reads 5h40
